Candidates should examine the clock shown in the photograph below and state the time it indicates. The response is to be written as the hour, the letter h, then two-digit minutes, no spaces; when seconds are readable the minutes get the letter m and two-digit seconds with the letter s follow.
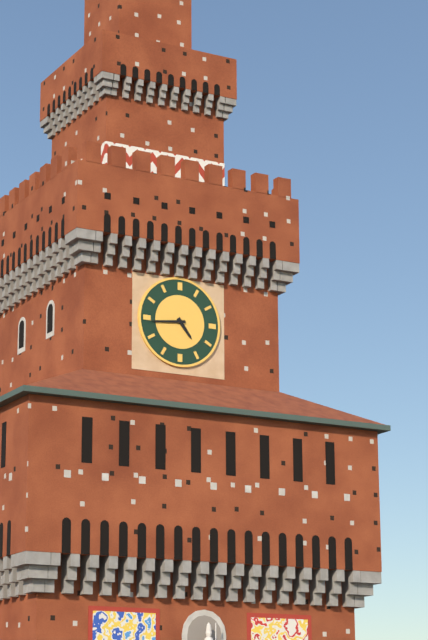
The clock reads 4h44
